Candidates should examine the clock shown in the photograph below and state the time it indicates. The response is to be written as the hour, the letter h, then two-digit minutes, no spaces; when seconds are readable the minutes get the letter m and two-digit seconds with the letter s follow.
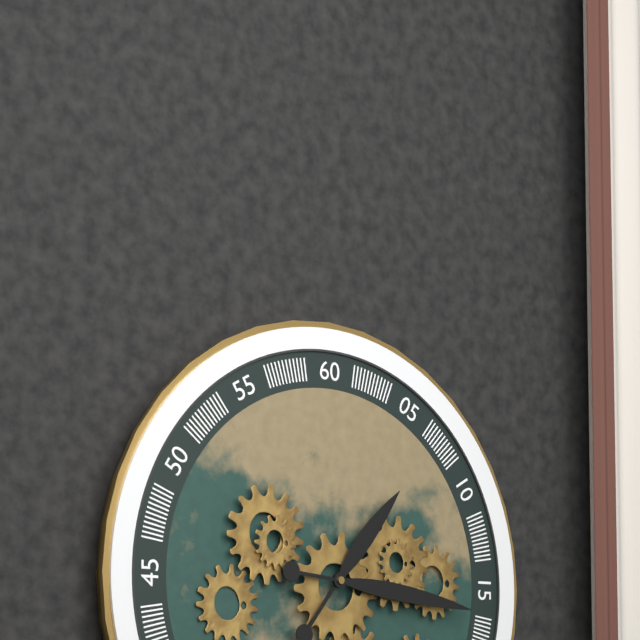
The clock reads 1h16
